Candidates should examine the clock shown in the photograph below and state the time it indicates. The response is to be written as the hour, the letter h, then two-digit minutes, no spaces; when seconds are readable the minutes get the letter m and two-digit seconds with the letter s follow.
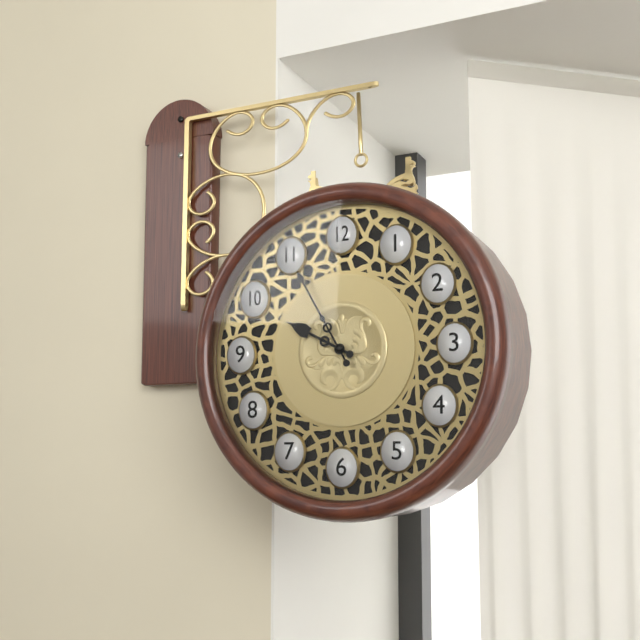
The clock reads 9h55
